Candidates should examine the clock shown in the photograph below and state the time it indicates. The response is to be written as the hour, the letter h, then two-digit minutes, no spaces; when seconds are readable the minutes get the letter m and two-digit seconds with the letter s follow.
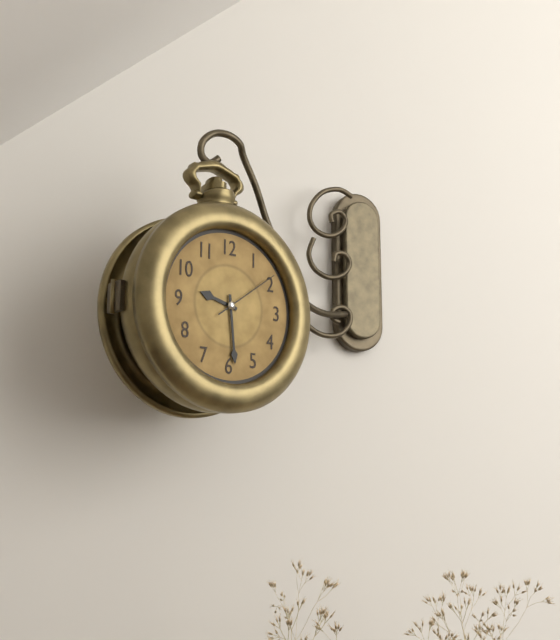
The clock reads 9h29m09s
